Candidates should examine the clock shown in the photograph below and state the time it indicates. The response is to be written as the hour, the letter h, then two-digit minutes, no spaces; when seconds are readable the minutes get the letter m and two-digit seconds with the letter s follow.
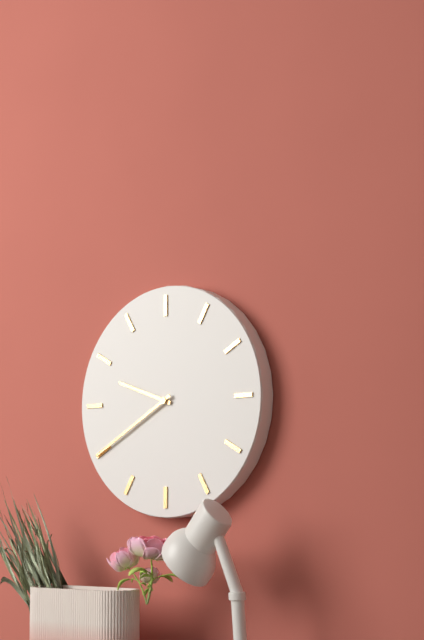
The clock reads 9h40
